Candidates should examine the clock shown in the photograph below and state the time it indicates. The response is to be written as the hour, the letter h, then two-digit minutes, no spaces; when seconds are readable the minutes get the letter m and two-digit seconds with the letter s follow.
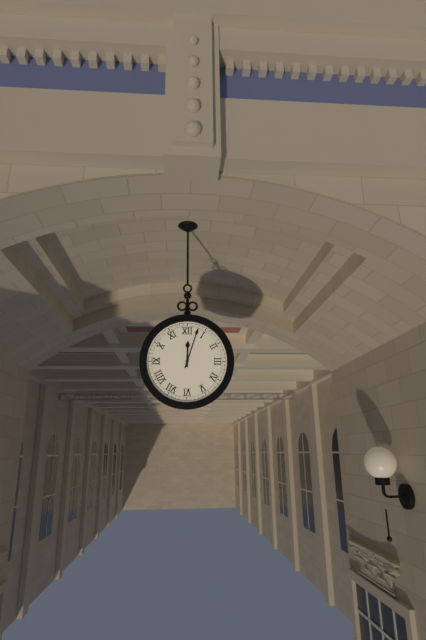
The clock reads 12h03
